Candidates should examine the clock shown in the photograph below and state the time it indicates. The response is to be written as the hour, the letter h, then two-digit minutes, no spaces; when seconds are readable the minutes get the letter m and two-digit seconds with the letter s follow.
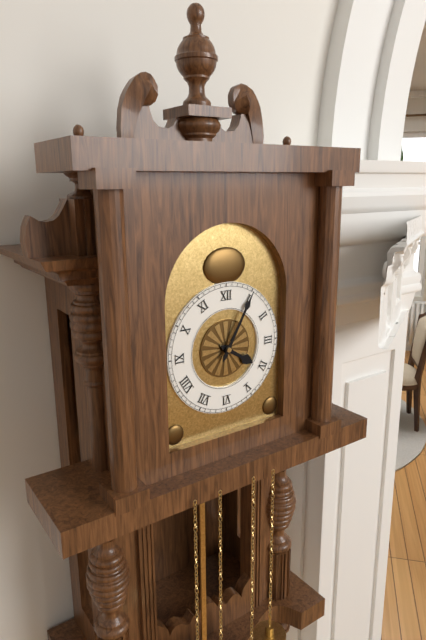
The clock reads 4h05
